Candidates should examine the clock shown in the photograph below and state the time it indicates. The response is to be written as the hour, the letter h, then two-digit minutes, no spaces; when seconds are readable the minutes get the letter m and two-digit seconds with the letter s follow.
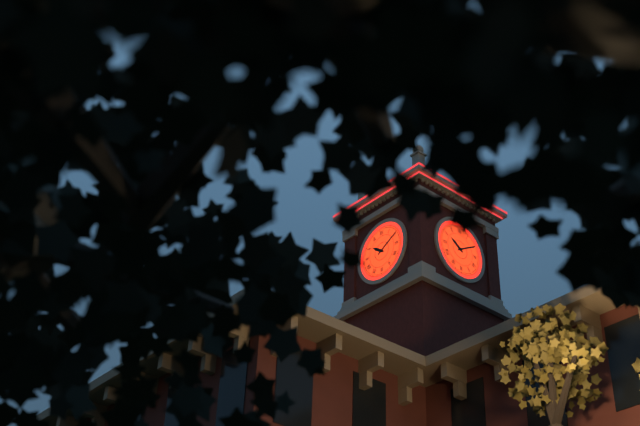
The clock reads 10h10
